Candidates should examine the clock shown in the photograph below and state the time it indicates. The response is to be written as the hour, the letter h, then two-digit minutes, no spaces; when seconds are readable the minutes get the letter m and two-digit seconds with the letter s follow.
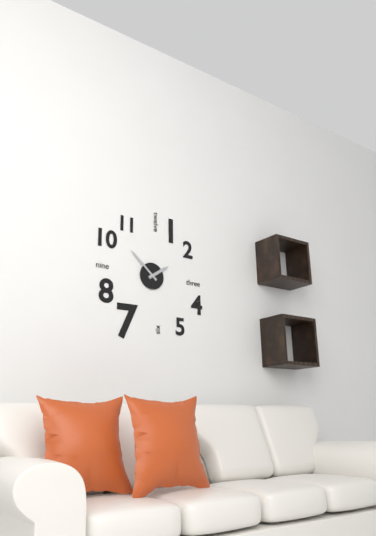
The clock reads 1h52
